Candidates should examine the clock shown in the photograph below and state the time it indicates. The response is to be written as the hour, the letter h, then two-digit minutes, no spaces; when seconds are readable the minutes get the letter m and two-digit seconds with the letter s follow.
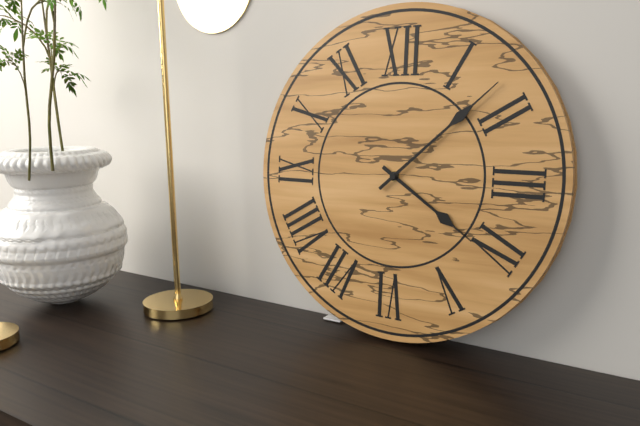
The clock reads 4h08
